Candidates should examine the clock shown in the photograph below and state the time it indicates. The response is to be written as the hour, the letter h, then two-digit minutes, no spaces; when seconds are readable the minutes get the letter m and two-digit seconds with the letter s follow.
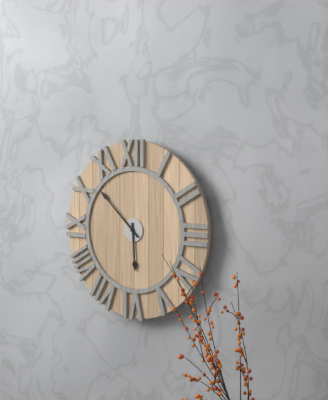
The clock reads 5h52
